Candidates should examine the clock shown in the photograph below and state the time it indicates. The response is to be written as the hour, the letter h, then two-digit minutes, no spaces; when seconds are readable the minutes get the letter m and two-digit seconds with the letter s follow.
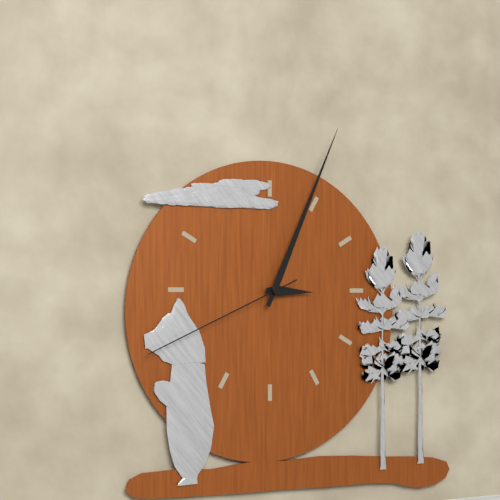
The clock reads 3h04m41s
